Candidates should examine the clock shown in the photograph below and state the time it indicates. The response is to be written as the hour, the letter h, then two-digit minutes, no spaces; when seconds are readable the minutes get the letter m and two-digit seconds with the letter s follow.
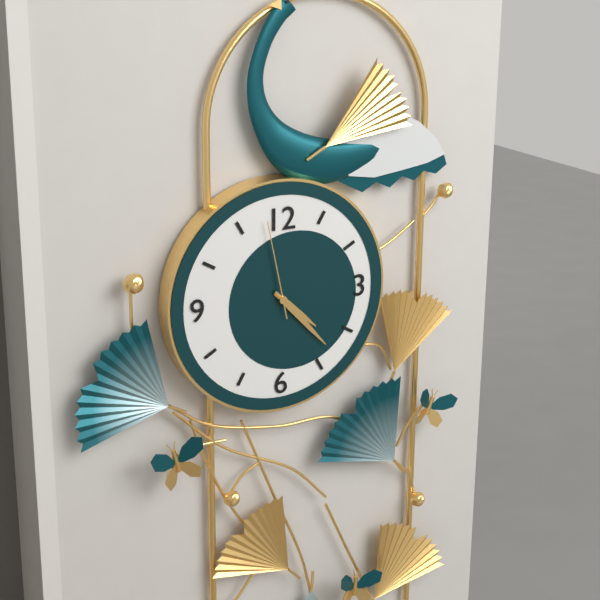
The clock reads 4h23m58s
